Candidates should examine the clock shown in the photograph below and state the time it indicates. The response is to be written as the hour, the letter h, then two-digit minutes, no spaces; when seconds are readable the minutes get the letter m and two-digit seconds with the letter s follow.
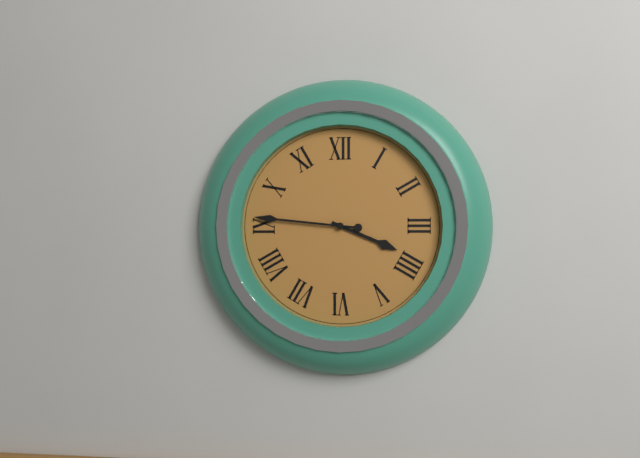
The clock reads 3h46
